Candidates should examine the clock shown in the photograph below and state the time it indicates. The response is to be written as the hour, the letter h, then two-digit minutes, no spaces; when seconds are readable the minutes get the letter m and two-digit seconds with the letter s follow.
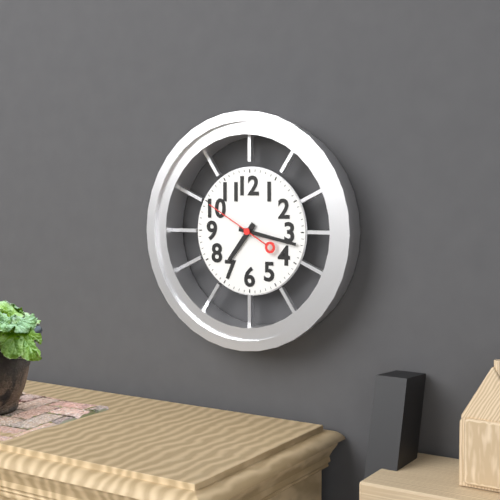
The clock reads 7h17m50s
